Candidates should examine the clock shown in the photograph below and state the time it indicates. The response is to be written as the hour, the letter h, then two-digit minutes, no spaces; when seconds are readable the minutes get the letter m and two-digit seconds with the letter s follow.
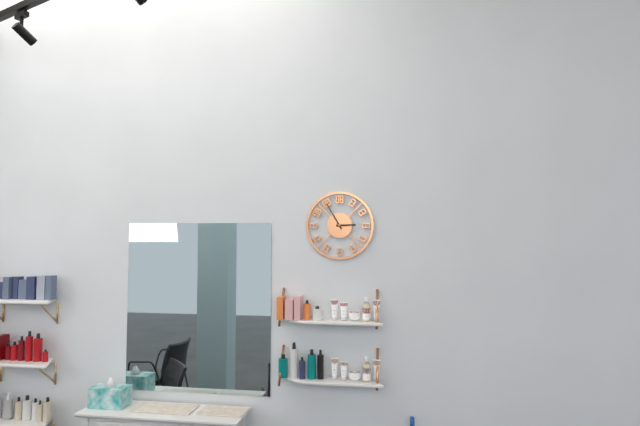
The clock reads 2h55
